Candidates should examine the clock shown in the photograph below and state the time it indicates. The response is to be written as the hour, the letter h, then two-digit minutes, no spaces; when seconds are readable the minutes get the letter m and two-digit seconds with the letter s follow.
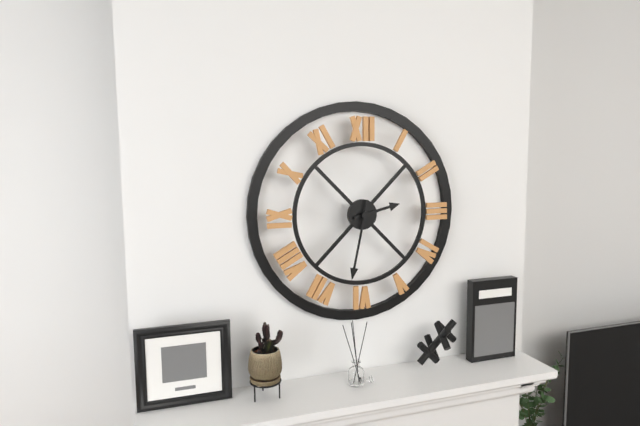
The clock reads 2h32
